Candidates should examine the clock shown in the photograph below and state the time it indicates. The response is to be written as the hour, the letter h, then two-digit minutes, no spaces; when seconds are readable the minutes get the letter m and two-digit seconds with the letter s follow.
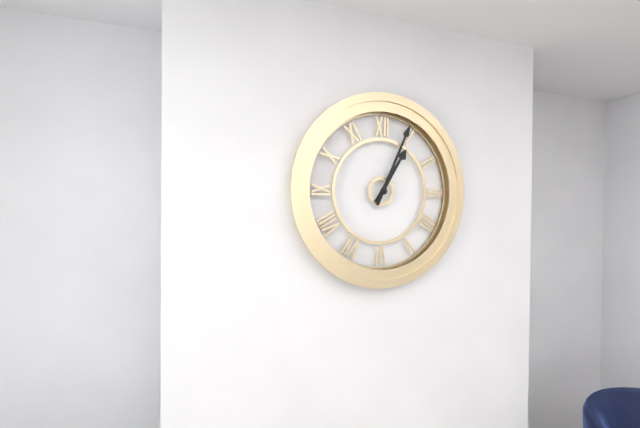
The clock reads 1h04
